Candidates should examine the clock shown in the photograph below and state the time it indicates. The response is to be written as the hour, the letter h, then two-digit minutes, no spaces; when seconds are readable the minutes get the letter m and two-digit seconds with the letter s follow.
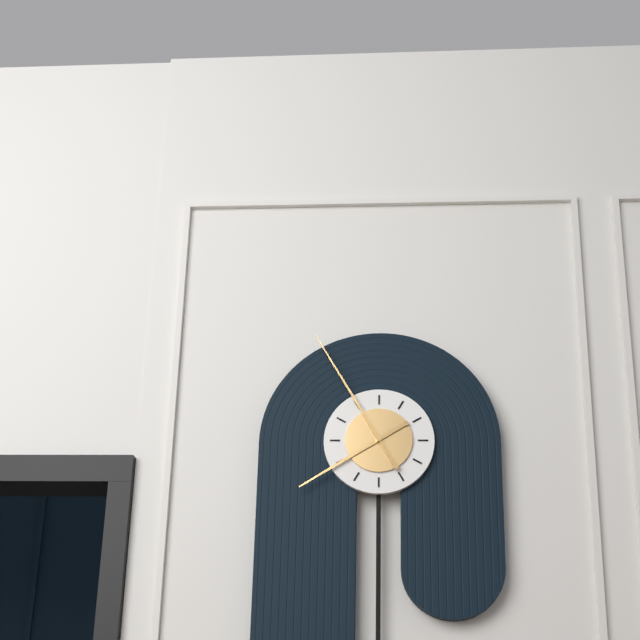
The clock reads 7h55
